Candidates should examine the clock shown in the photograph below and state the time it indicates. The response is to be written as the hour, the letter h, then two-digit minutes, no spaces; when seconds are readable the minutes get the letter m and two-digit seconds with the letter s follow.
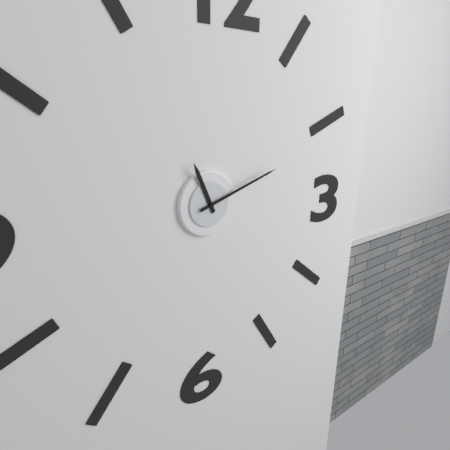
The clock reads 11h12
